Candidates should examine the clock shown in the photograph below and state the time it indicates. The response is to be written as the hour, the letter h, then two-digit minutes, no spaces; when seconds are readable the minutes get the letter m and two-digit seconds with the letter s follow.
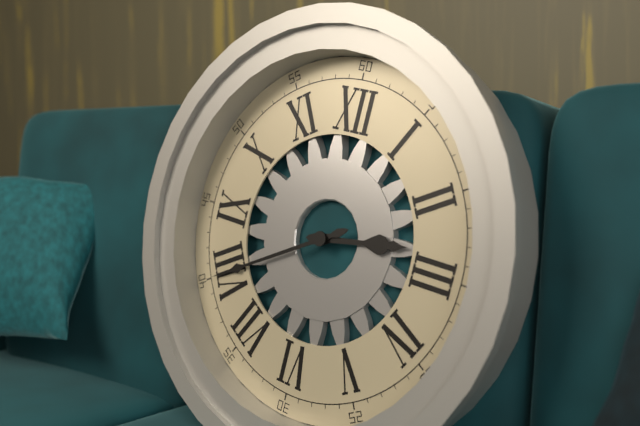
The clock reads 2h40
